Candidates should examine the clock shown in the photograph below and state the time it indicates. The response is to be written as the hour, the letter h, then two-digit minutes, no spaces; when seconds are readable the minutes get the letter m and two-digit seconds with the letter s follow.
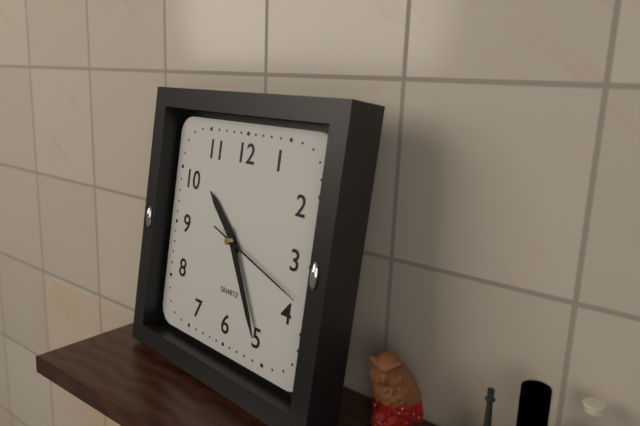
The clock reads 10h25m18s
